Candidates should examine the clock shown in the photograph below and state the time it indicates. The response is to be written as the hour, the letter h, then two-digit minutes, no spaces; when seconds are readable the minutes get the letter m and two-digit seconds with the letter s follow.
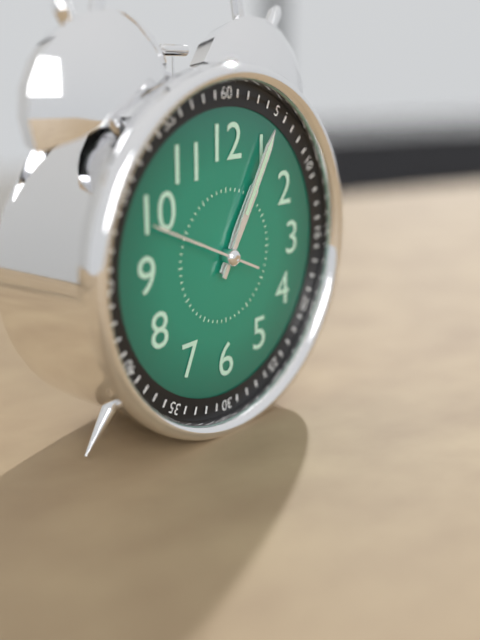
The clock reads 1h05m49s
